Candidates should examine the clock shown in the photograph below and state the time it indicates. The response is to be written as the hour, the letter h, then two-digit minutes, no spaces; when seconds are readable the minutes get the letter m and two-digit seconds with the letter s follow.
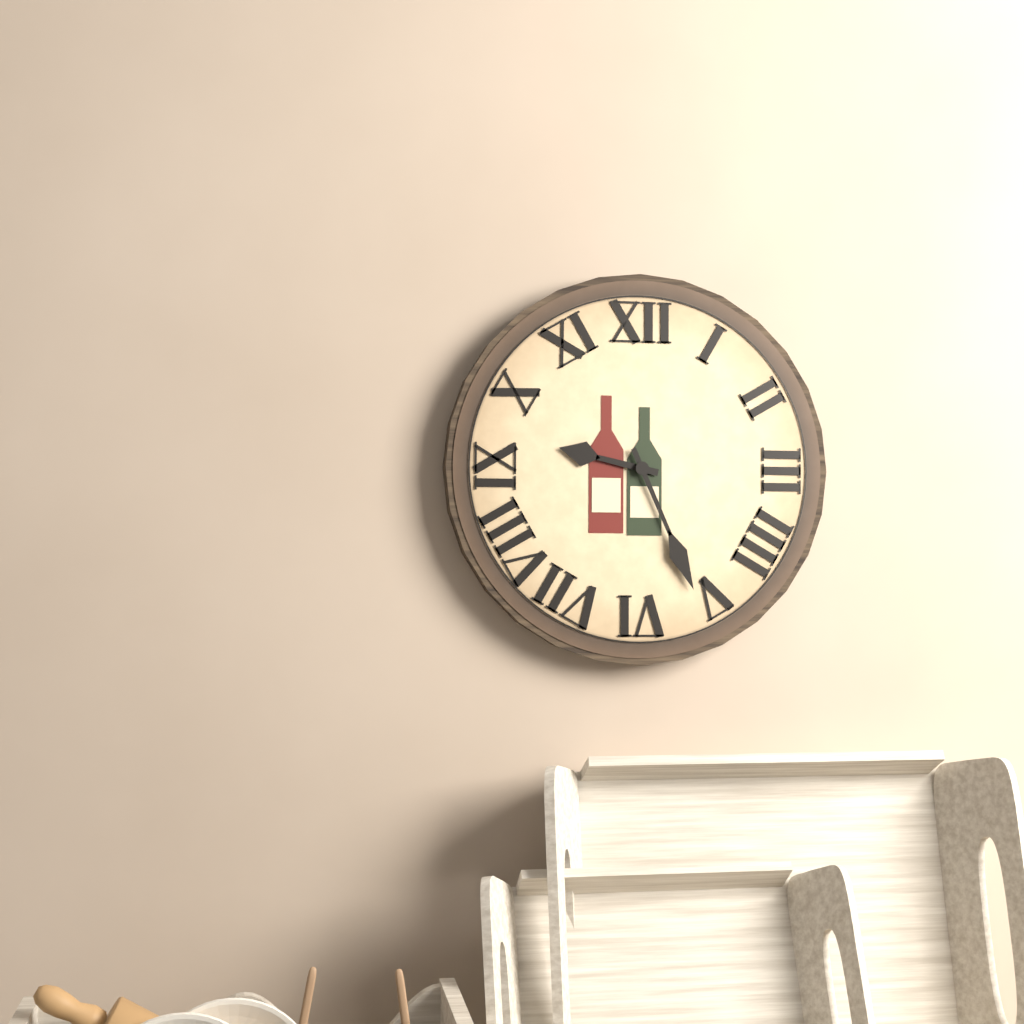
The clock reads 9h26
